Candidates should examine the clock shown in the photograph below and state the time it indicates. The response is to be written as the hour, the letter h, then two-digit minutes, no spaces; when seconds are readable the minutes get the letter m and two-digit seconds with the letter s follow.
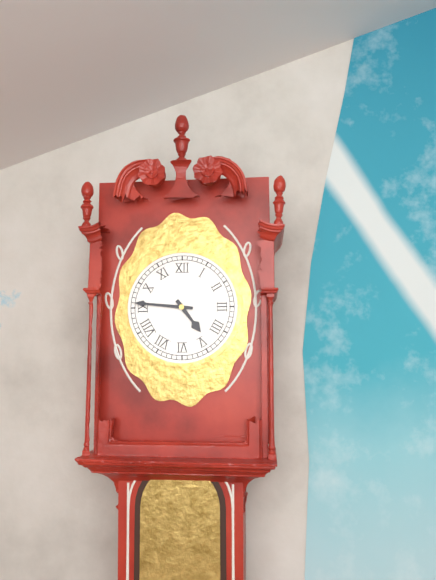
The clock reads 4h46
